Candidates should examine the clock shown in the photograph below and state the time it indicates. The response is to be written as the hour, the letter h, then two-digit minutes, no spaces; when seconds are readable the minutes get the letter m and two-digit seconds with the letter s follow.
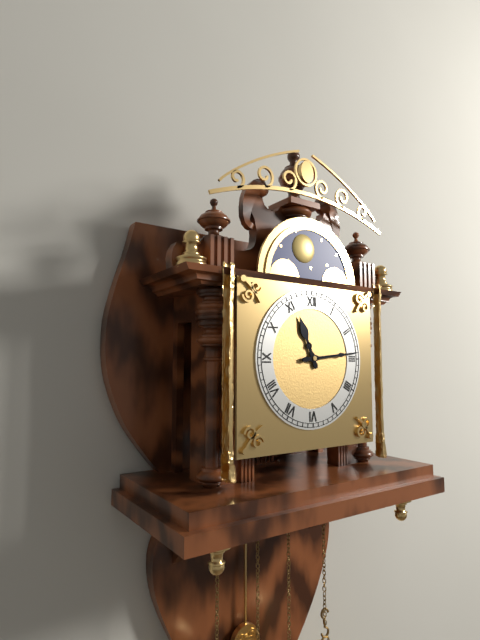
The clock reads 11h14
